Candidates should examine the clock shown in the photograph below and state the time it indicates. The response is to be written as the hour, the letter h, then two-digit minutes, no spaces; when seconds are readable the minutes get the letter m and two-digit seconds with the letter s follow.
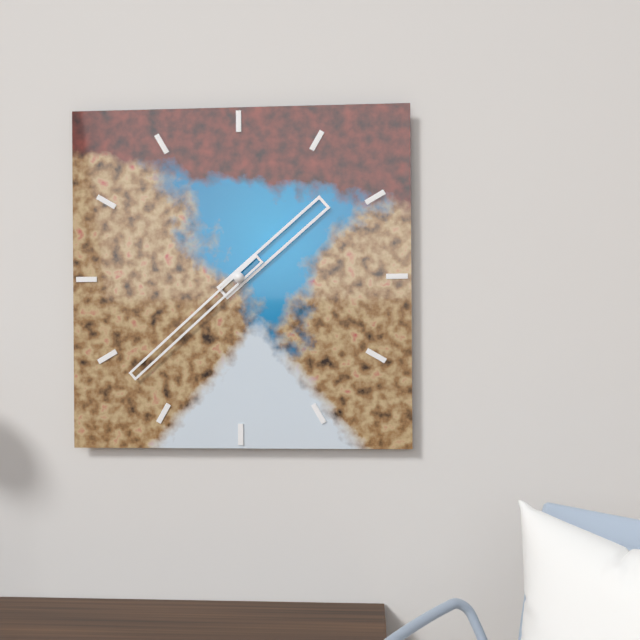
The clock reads 1h38
